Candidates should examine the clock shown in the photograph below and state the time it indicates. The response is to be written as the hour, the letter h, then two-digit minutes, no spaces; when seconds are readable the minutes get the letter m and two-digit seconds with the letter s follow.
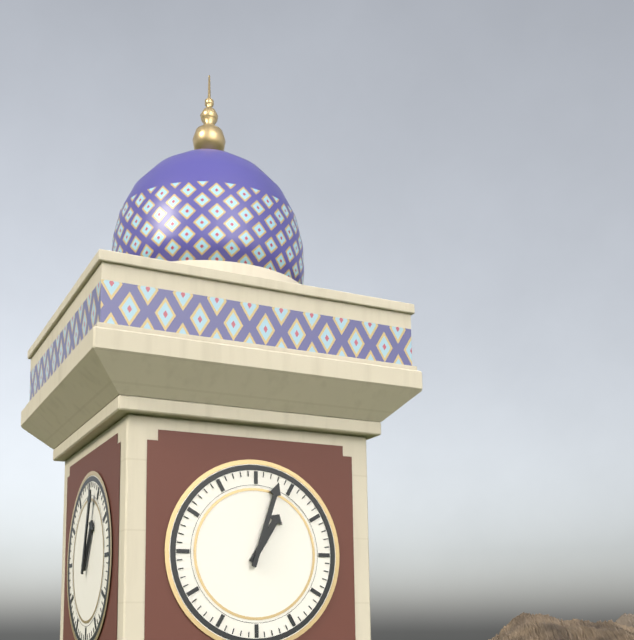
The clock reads 1h03
